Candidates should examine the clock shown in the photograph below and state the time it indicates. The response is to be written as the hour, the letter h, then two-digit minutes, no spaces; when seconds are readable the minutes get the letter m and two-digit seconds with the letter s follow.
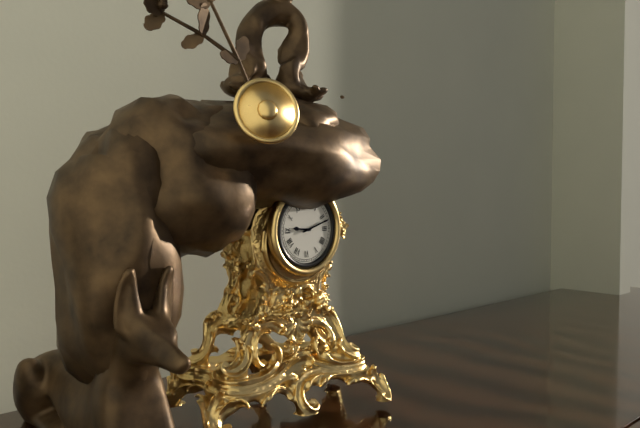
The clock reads 9h12
